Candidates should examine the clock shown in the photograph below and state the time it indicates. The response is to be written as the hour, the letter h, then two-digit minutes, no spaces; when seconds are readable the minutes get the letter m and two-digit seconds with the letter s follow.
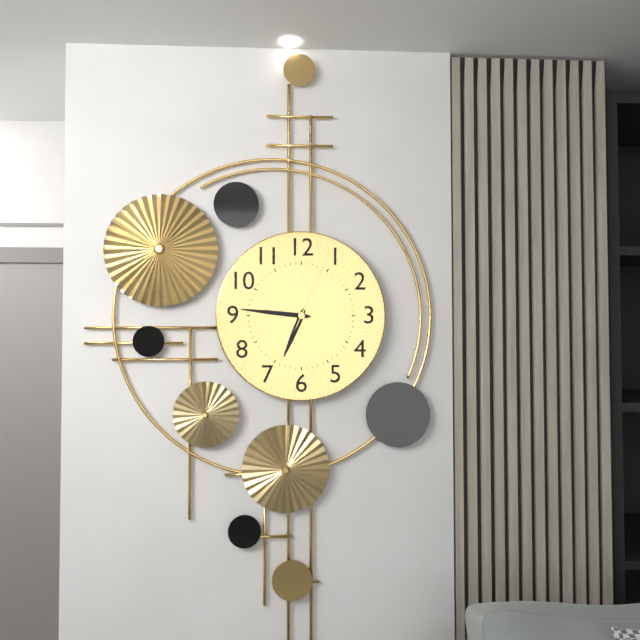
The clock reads 6h46m04s
